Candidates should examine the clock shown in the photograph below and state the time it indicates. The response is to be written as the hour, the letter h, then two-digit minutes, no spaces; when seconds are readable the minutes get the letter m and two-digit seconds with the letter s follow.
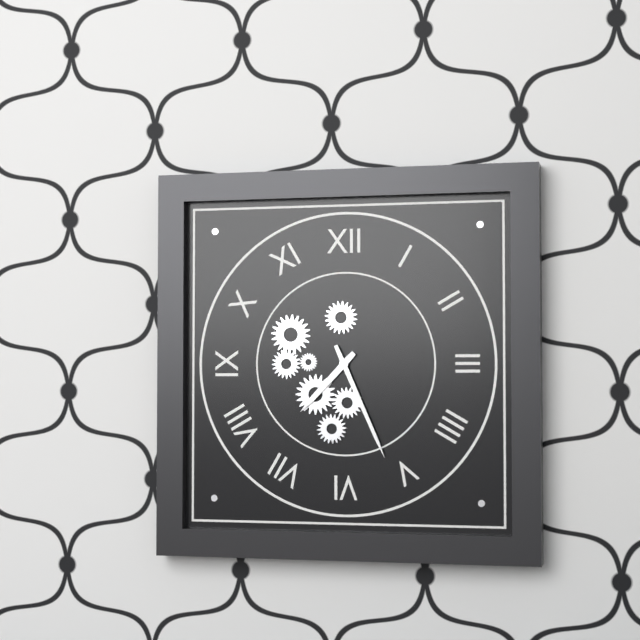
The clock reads 7h26
